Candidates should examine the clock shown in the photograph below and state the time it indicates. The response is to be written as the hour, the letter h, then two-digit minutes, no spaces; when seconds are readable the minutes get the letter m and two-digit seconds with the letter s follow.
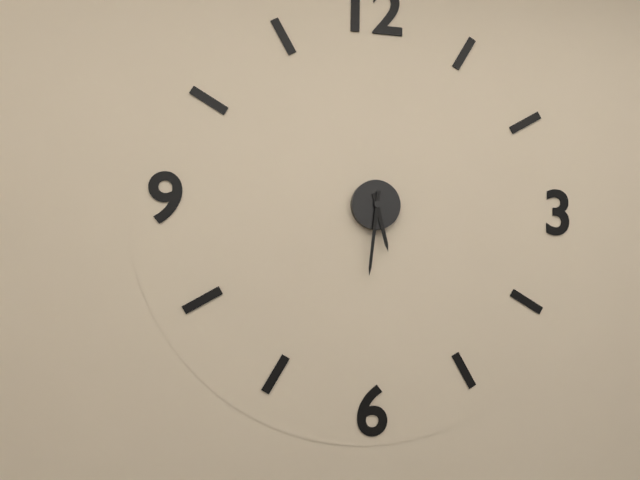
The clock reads 5h31
